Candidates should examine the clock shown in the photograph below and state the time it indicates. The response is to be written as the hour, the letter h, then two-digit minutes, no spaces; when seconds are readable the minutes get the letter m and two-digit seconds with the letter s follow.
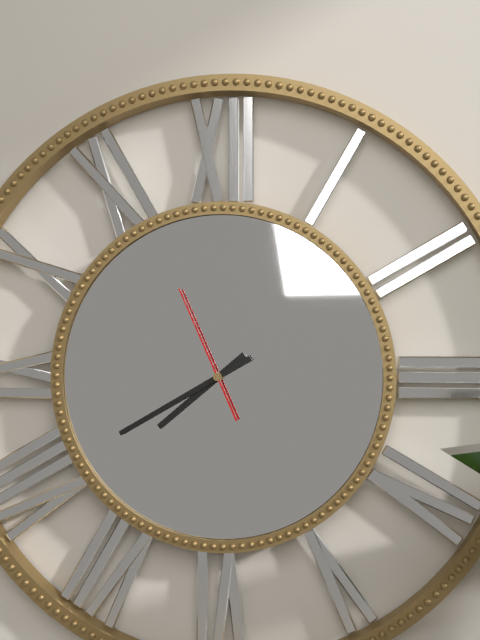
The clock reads 7h40m56s
